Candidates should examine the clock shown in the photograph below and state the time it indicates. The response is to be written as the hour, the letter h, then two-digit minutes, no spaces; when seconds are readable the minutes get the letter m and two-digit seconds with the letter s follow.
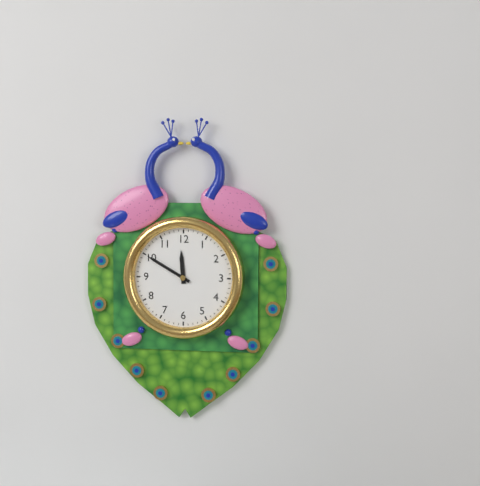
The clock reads 11h50
